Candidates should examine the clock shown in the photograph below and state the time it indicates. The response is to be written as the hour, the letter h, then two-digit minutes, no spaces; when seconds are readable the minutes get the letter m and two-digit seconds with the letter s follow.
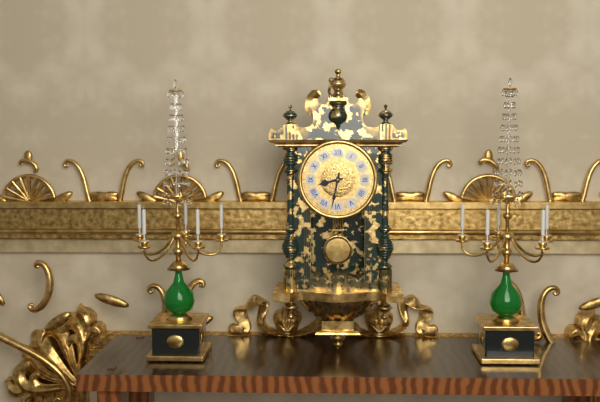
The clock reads 8h32
